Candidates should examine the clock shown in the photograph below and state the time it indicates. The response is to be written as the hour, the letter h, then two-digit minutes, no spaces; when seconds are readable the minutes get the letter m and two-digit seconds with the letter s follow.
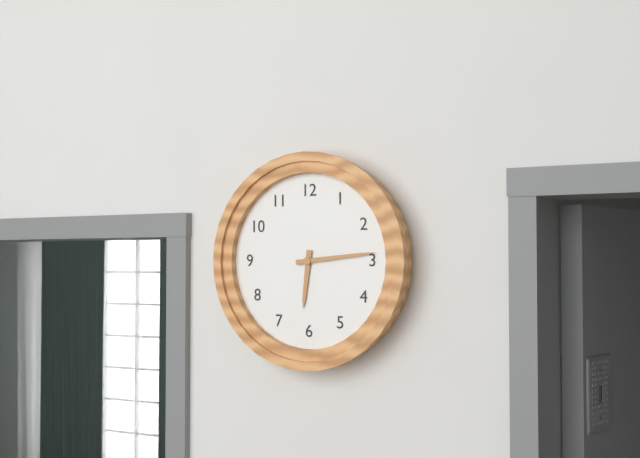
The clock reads 6h14
